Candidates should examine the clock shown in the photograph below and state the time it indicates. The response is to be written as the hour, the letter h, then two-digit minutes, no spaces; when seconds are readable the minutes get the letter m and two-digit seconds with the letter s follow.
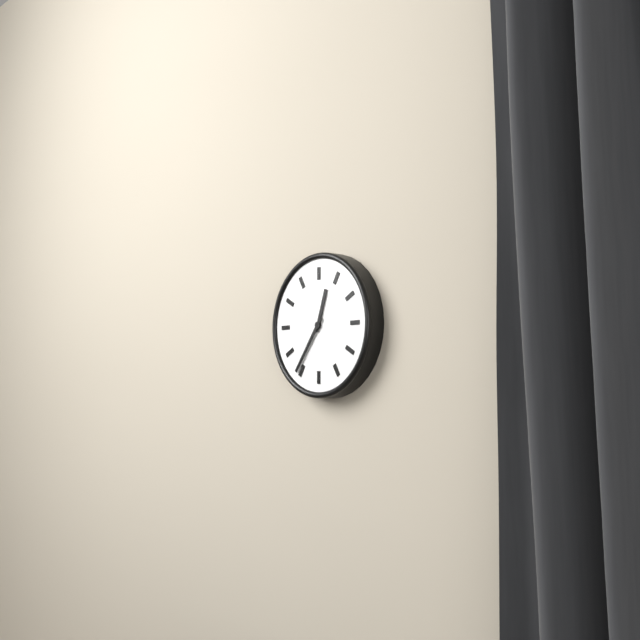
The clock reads 12h36
